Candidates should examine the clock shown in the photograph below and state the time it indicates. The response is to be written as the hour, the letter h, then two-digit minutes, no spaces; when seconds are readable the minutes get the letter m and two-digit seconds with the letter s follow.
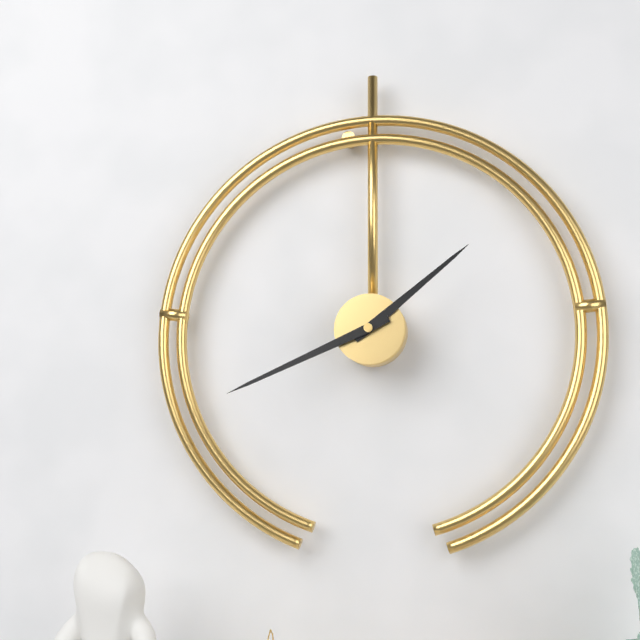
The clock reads 1h41
